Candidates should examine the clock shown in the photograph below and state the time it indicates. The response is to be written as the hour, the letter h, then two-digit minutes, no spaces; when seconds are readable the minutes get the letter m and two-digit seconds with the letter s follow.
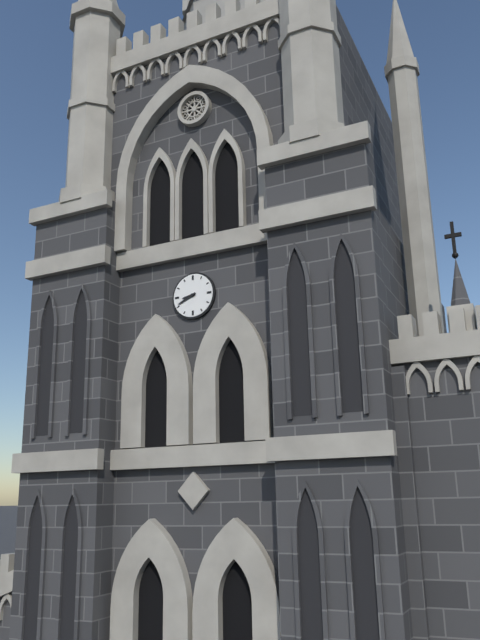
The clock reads 8h41
